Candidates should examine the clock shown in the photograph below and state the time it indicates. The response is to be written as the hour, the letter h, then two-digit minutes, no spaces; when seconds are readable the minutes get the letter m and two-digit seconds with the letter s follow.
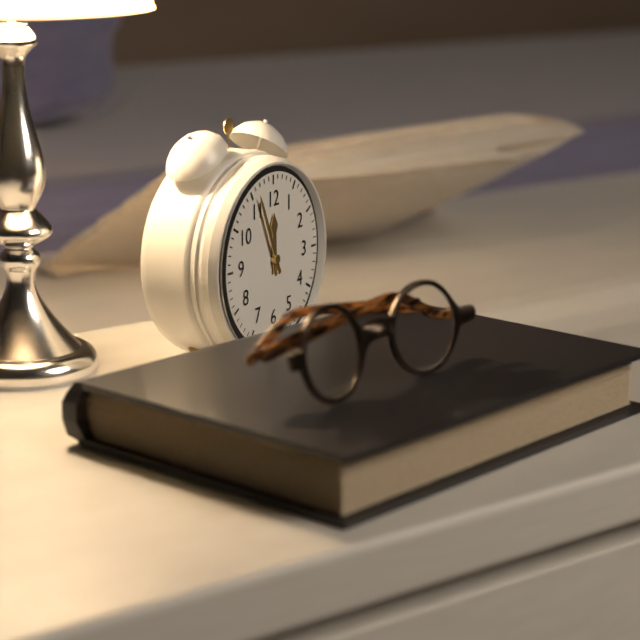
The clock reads 11h56
